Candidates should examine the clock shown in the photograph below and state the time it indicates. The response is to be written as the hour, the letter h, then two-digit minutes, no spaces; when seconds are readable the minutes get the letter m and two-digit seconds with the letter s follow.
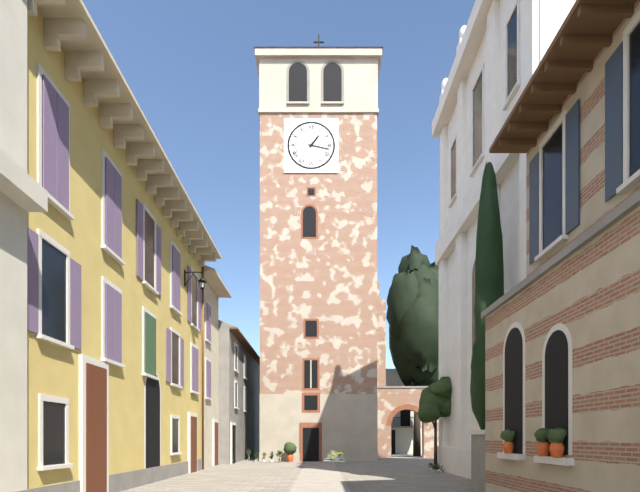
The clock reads 1h17
